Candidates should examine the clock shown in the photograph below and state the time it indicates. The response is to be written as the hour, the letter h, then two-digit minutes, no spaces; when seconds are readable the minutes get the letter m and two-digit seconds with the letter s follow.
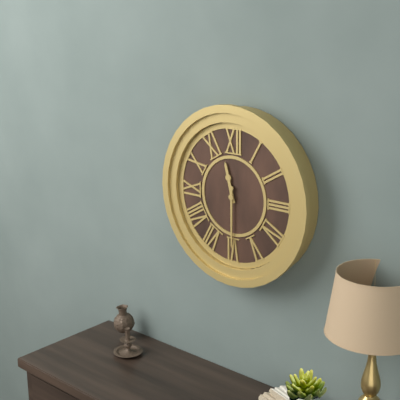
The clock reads 11h30
